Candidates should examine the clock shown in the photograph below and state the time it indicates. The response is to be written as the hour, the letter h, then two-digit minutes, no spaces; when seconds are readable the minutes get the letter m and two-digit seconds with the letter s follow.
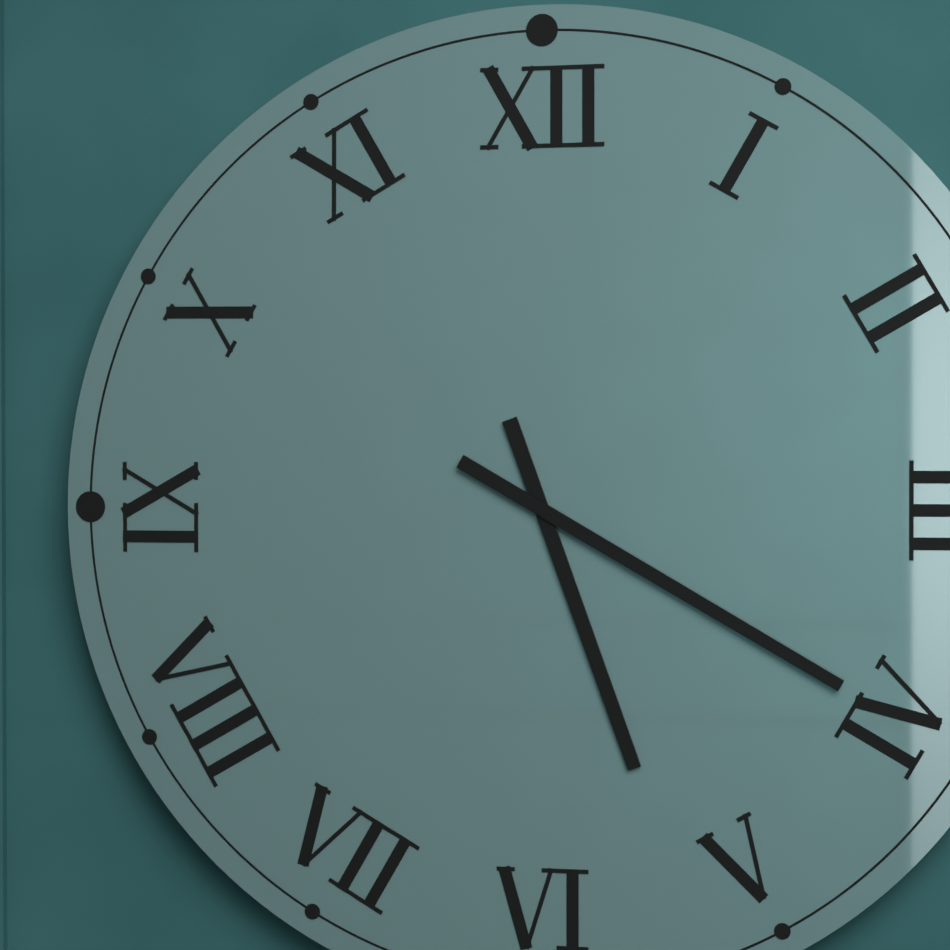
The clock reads 5h20
